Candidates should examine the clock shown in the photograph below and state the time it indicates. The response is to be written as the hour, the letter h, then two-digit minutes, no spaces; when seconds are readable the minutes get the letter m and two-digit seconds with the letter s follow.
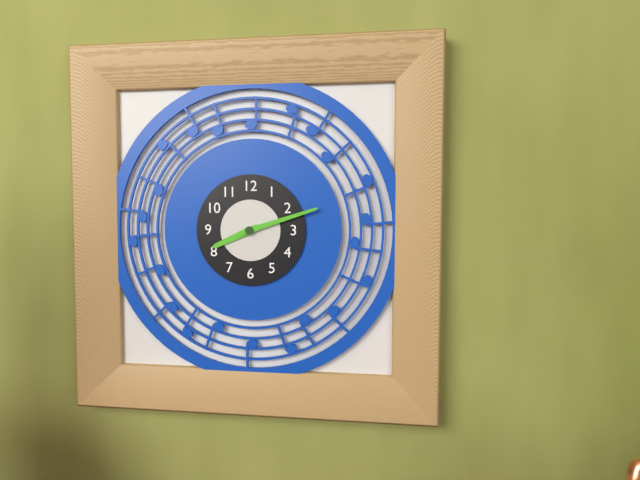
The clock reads 8h12
